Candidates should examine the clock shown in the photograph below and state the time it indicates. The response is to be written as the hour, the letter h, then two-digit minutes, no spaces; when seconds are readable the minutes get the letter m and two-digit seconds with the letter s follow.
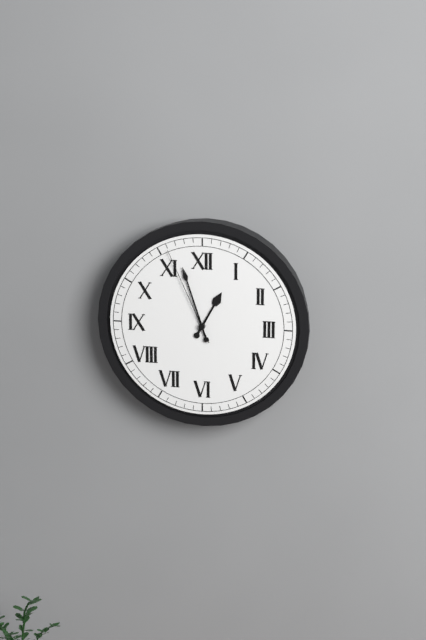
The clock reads 12h57m56s
